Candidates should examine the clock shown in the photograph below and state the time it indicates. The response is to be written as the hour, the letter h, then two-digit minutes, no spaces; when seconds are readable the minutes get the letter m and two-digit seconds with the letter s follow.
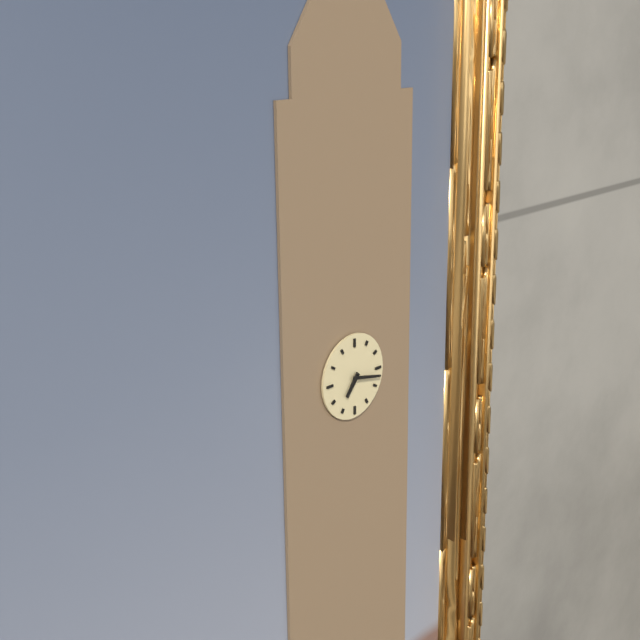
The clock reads 7h17
